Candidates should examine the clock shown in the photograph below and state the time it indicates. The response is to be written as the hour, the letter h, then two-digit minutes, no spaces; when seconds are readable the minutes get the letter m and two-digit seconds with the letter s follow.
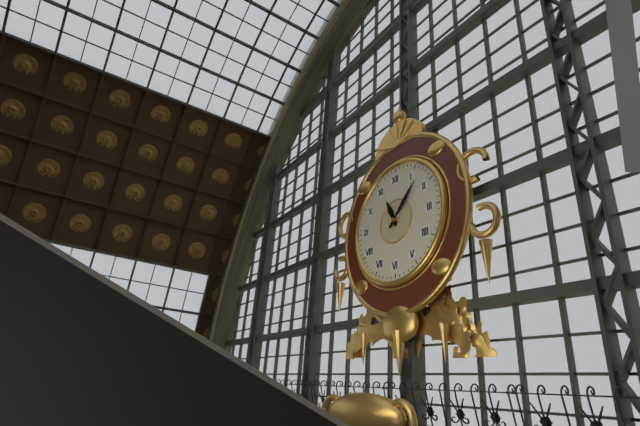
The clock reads 11h07
